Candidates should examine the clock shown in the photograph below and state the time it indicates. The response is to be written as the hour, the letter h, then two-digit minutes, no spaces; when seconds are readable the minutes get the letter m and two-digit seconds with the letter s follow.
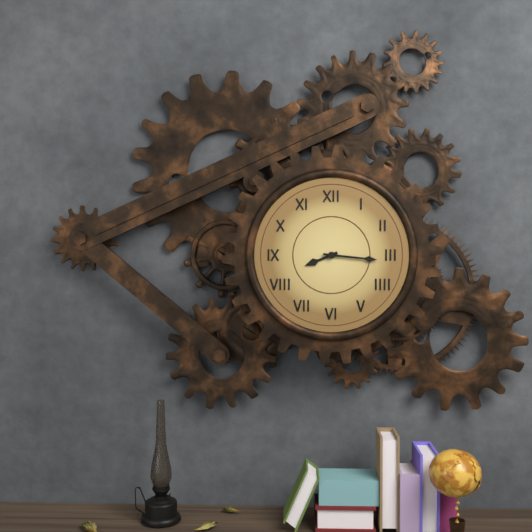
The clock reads 8h16
